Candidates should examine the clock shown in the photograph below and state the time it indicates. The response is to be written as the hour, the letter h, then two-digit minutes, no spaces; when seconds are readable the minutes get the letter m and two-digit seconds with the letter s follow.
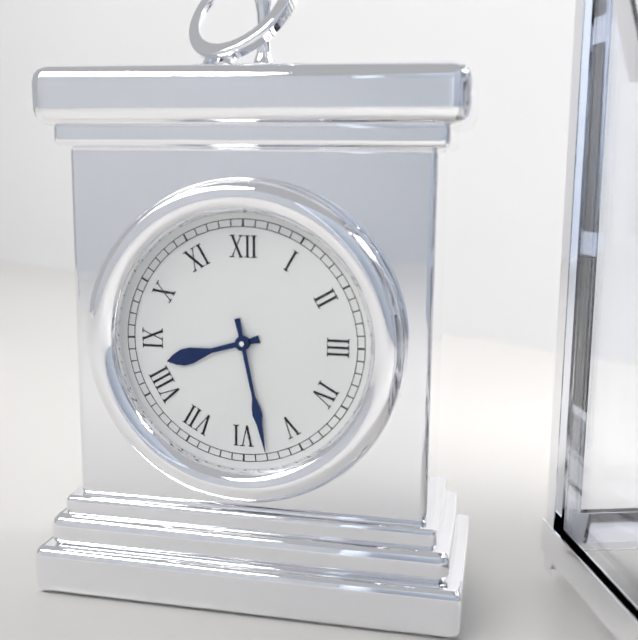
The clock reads 8h28
